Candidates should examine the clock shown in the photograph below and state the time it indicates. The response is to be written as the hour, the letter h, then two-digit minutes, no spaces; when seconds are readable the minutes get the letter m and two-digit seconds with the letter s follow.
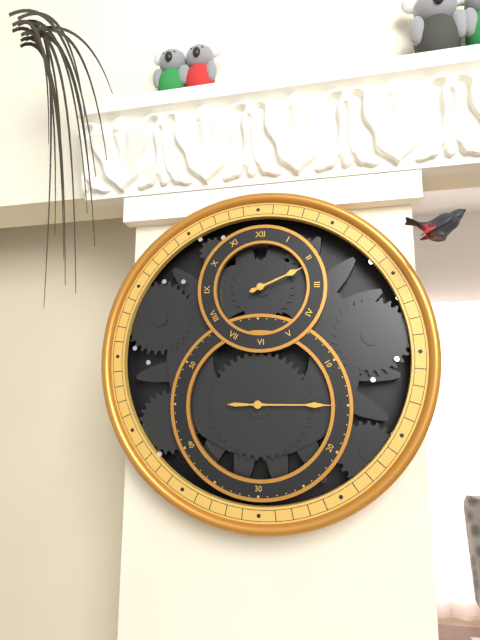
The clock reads 2h15
